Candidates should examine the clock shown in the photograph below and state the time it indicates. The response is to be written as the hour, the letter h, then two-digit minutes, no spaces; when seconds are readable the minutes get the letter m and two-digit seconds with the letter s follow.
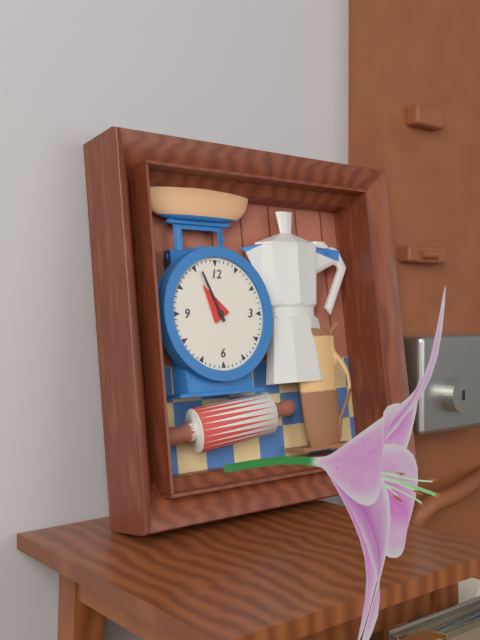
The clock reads 10h56
